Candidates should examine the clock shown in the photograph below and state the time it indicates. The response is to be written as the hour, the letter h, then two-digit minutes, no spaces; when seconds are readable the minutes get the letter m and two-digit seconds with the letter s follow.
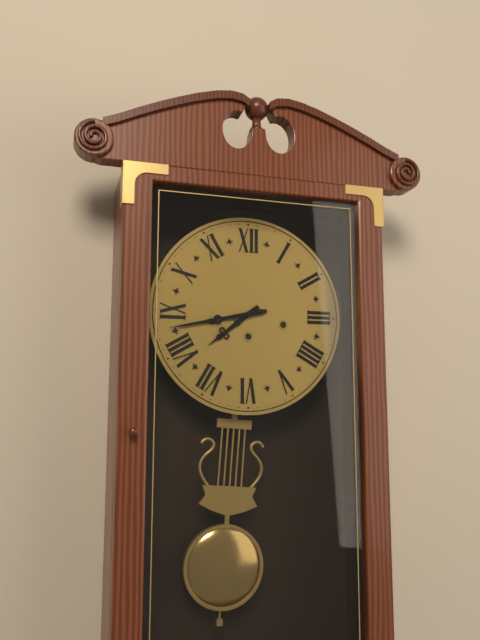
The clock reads 7h43
